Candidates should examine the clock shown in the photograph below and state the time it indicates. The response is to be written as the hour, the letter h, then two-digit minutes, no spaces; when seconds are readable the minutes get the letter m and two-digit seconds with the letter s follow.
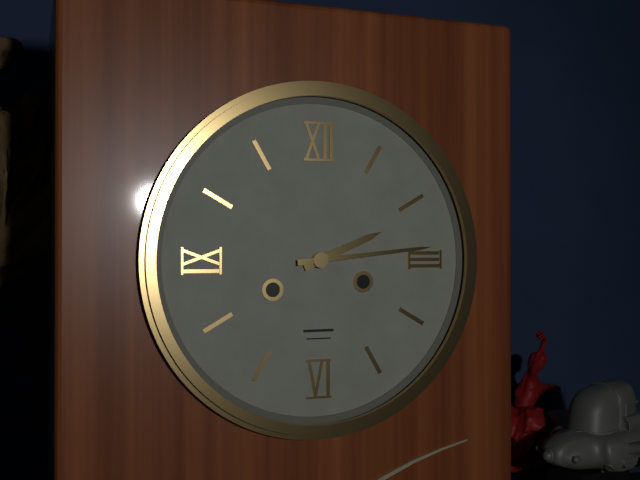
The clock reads 2h14
